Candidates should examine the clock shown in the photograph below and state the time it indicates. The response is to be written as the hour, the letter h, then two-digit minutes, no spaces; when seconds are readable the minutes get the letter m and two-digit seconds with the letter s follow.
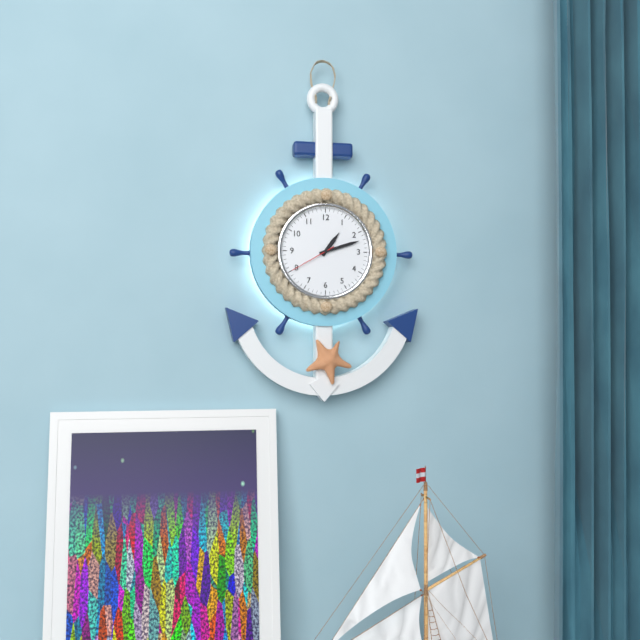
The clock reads 1h12
